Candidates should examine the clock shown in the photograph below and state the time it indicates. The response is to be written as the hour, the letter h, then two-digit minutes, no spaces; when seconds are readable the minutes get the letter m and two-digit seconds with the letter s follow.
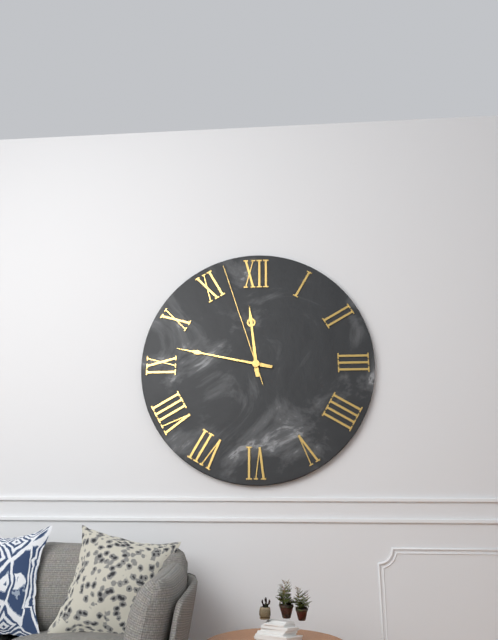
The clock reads 11h47m57s
